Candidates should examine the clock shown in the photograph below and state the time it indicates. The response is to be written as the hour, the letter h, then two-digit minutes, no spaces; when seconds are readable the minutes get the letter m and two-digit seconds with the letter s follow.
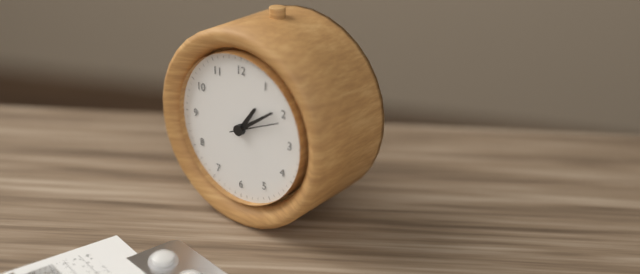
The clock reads 1h09m11s
